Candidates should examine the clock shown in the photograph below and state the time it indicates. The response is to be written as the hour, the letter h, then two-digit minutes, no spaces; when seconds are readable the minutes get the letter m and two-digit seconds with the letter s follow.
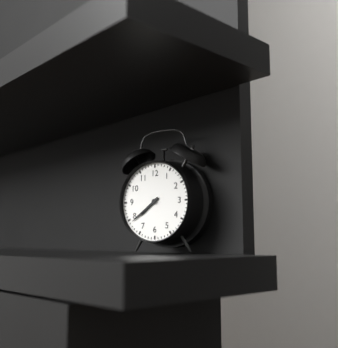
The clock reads 7h39
